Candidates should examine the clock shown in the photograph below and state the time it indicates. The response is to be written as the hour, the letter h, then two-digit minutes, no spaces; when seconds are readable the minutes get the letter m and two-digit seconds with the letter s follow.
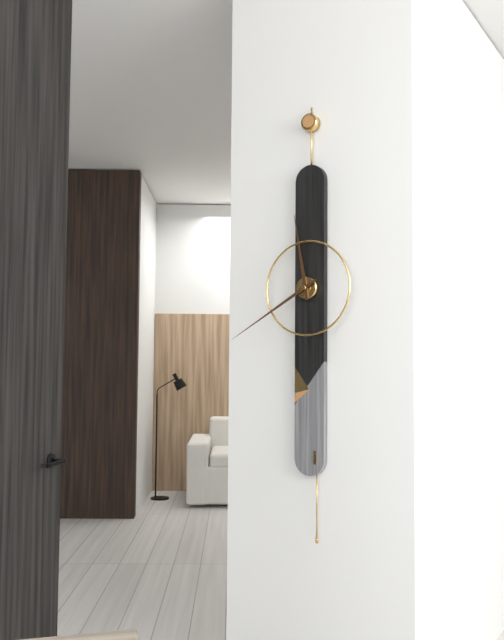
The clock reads 11h40
